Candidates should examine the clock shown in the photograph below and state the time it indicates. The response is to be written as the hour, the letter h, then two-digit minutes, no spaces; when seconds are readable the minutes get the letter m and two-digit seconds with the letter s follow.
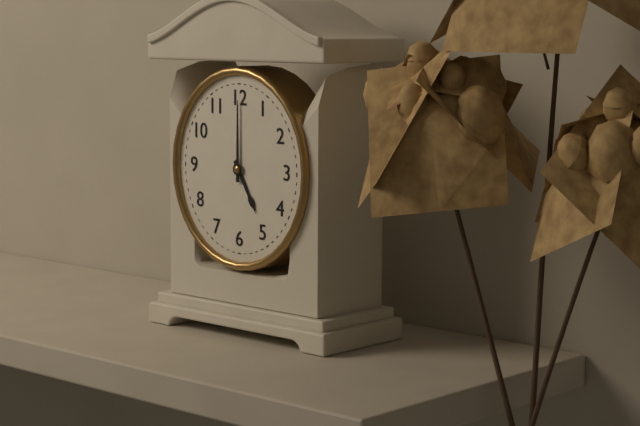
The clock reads 5h00
